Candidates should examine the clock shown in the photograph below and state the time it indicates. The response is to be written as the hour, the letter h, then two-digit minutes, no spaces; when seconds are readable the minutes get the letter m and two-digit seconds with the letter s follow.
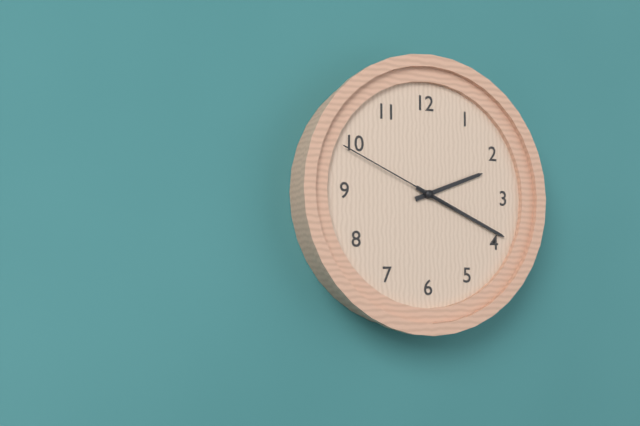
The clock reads 2h19m49s
